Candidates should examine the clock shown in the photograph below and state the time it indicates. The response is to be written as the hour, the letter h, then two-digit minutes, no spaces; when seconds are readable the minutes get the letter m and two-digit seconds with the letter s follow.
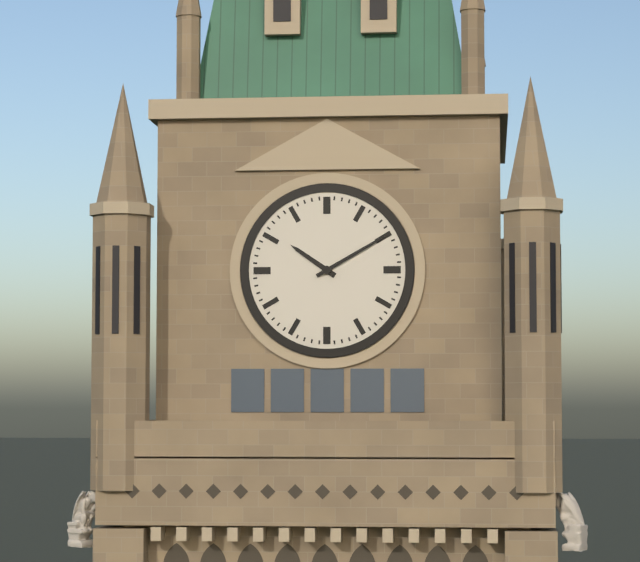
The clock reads 10h10
